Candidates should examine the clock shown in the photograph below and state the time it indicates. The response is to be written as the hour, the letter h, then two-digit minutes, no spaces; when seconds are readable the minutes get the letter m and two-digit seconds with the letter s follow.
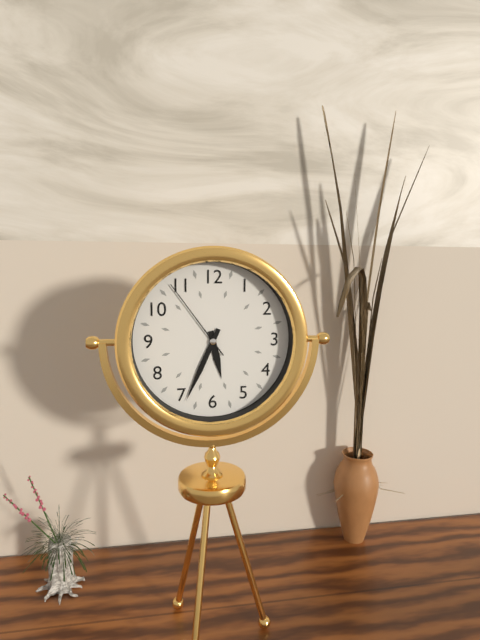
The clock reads 5h34m54s
